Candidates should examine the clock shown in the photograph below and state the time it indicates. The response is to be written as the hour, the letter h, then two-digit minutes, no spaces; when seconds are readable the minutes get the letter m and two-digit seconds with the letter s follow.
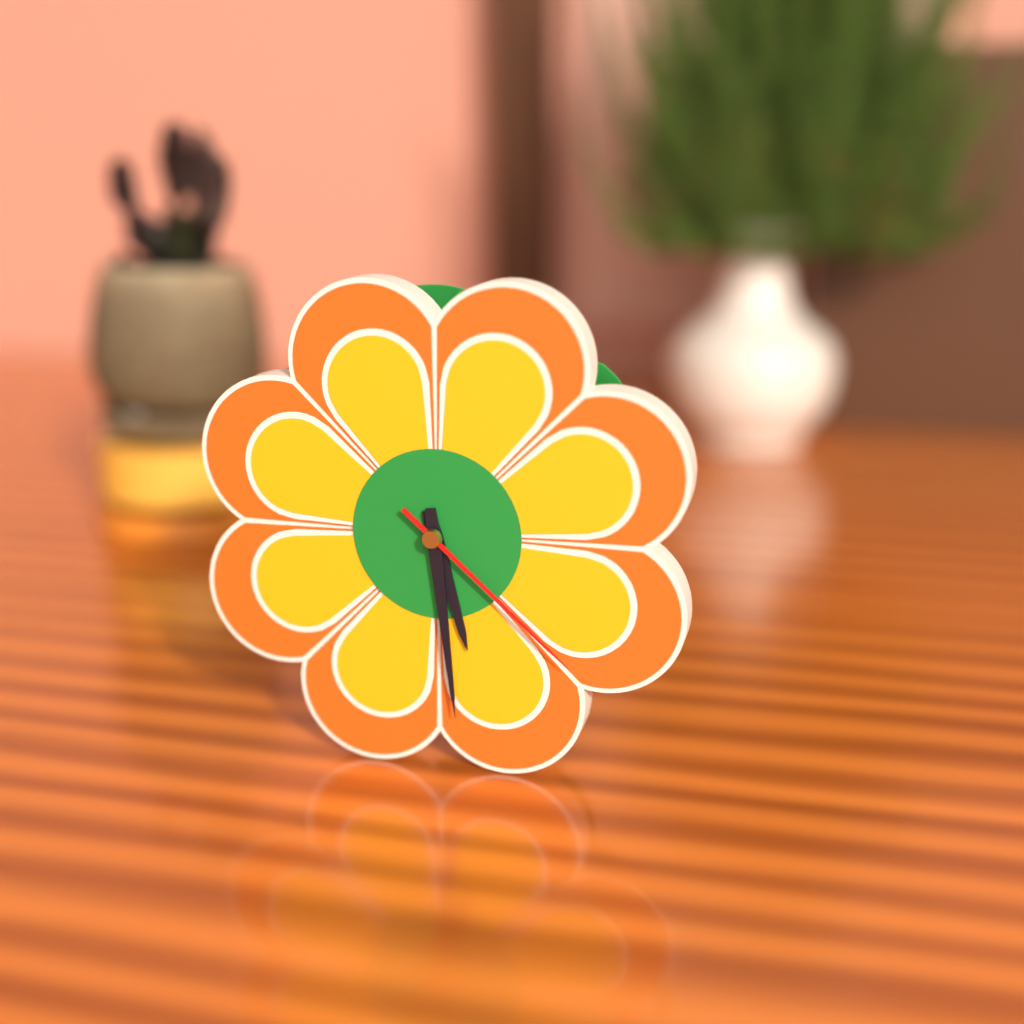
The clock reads 5h29m22s
